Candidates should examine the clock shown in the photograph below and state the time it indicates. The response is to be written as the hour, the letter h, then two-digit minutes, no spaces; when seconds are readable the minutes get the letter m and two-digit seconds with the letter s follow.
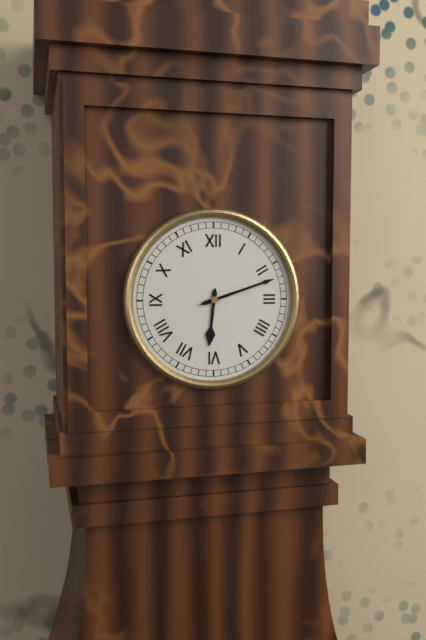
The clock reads 6h12
